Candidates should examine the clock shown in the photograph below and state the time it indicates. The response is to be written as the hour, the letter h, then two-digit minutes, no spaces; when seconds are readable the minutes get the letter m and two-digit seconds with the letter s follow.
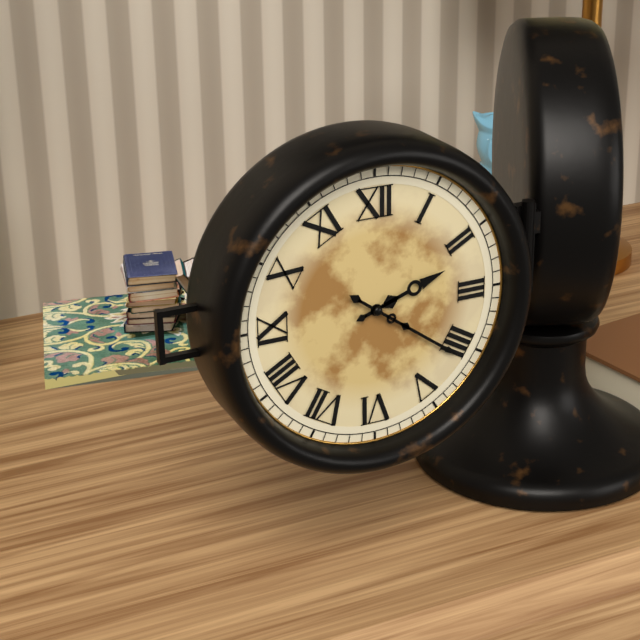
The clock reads 2h21
